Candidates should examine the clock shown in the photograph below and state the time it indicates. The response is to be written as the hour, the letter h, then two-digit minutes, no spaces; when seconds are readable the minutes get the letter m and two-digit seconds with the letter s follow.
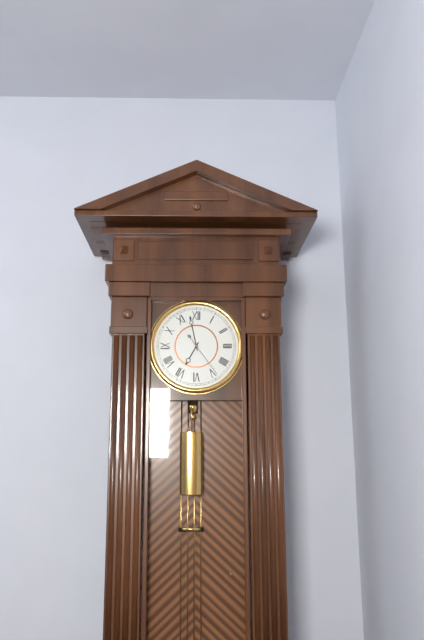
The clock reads 6h58
